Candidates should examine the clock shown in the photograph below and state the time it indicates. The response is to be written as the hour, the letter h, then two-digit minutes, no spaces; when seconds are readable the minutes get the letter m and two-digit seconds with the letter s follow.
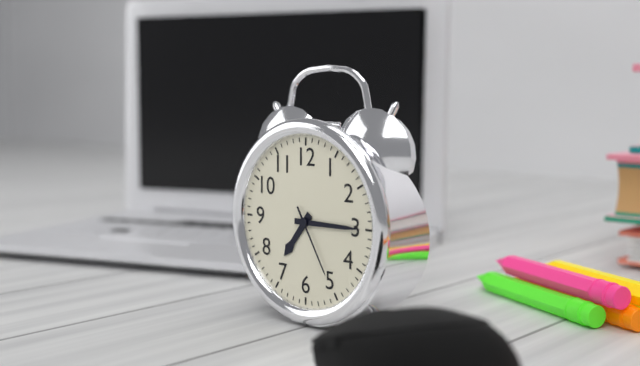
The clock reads 7h15m25s
